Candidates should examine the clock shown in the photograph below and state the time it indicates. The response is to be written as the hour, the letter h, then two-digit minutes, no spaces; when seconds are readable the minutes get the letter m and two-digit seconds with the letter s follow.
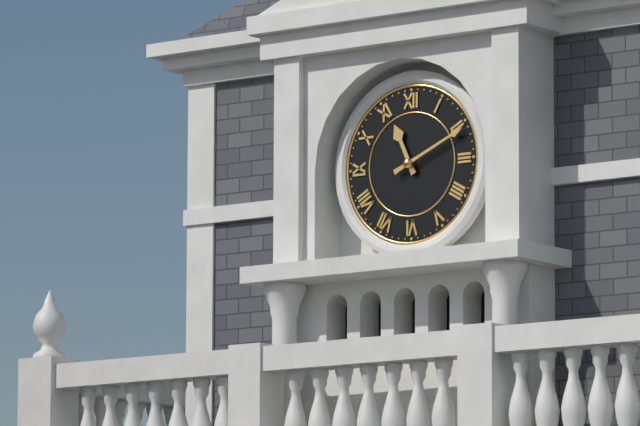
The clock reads 11h11
